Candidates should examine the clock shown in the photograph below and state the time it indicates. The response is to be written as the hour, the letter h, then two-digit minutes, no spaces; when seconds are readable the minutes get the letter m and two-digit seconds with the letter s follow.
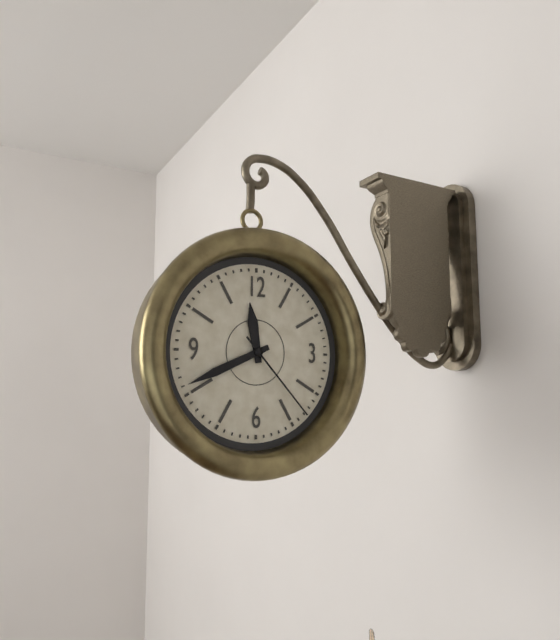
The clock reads 11h41m23s
